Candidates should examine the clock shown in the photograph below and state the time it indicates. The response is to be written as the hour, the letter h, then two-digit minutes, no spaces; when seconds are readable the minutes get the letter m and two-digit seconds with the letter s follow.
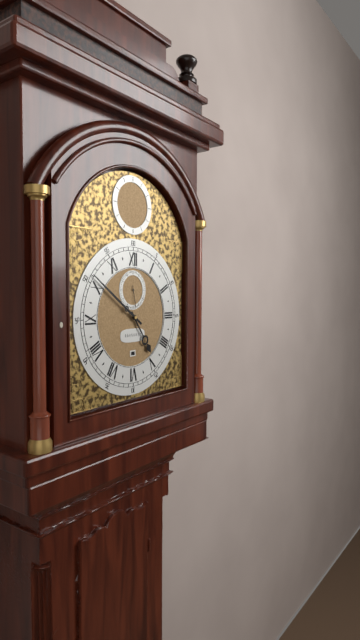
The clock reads 4h51
